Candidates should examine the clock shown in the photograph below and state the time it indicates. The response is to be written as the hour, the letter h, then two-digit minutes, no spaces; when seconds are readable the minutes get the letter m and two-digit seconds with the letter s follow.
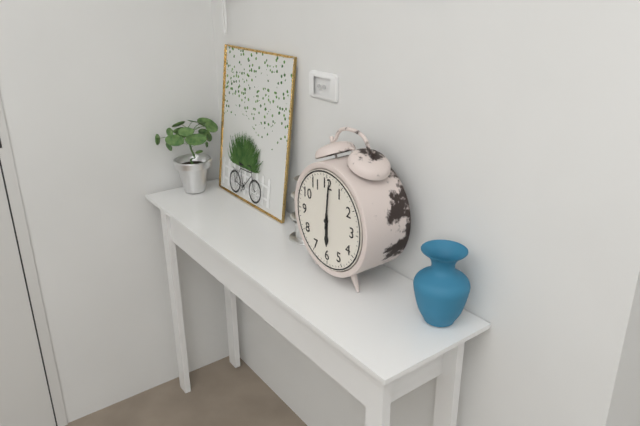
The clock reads 6h01
